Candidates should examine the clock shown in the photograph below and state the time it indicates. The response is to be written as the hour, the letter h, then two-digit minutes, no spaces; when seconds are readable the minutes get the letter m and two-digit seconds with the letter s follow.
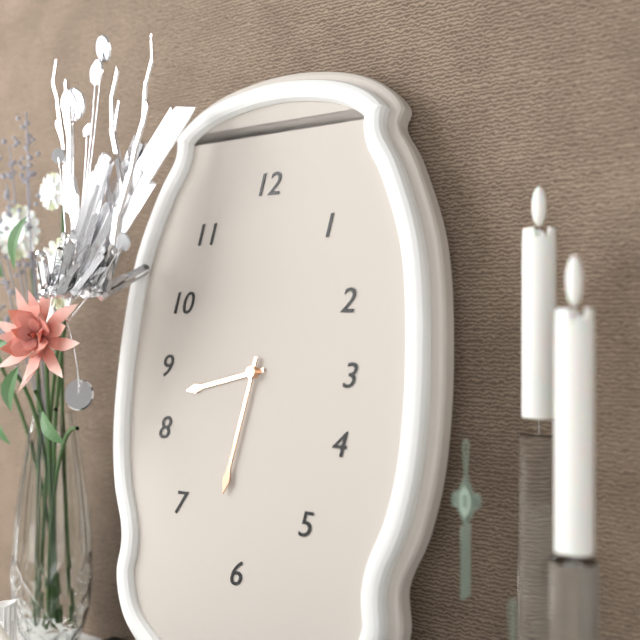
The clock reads 8h32
